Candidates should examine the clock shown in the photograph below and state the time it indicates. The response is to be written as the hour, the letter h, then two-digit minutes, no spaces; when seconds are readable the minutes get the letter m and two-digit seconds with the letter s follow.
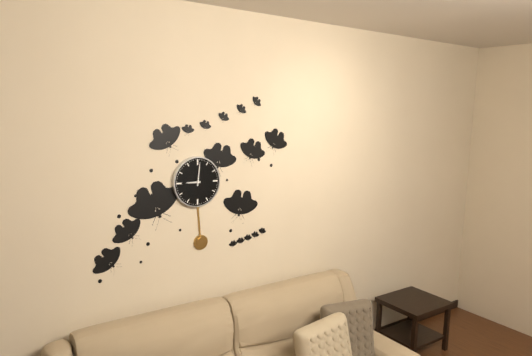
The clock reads 9h01
